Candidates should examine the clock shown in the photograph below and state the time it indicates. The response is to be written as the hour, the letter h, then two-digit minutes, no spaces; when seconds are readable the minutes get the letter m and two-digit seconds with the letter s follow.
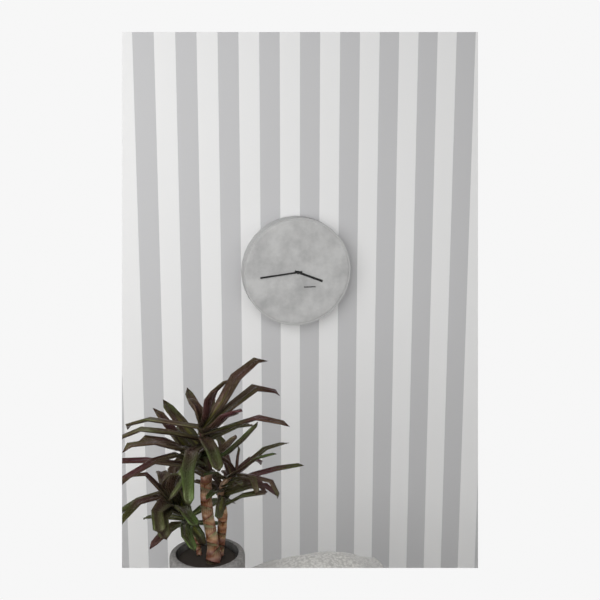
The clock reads 3h44
